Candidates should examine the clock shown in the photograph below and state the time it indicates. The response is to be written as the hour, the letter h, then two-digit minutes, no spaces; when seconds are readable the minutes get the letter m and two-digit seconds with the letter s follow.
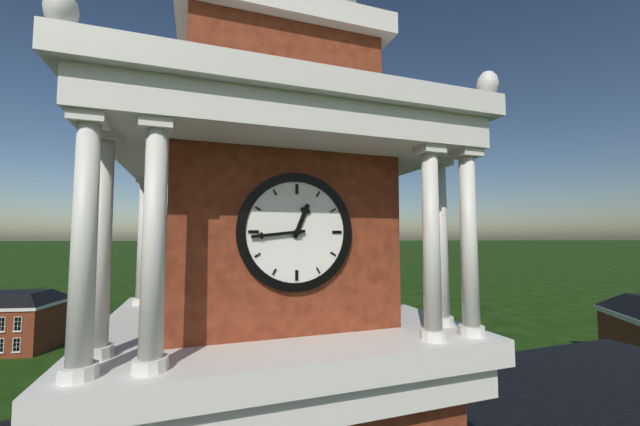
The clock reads 12h44
